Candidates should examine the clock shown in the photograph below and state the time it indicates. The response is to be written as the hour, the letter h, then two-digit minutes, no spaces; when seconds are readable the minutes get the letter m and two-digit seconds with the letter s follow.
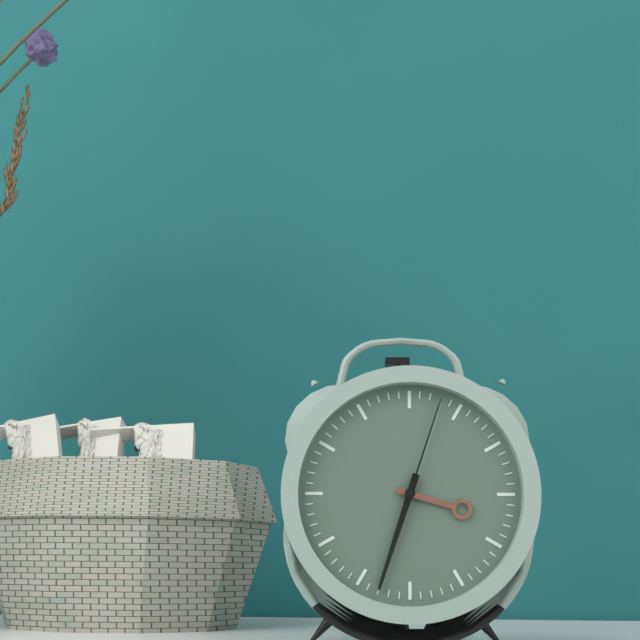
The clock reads 3h33m03s
